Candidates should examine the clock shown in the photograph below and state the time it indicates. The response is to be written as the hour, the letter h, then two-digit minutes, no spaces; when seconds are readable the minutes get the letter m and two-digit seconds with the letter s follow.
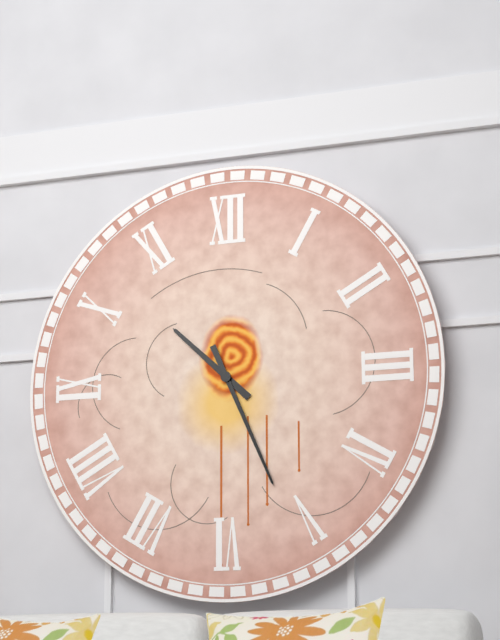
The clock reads 10h26
